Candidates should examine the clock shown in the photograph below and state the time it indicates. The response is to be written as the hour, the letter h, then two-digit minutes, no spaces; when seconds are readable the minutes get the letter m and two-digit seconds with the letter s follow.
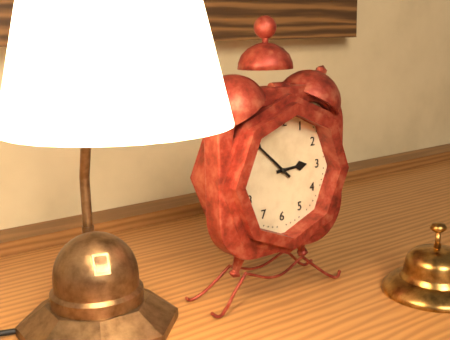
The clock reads 2h52
